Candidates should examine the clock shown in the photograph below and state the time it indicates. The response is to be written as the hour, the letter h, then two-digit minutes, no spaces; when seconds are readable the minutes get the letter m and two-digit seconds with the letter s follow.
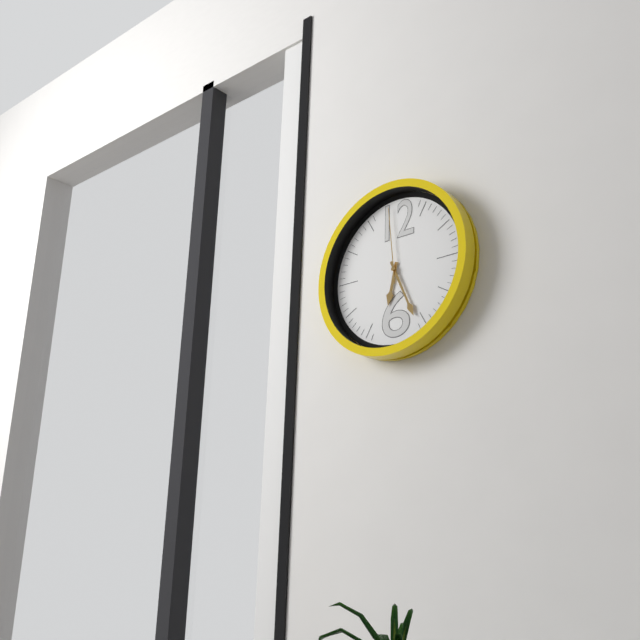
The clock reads 6h26m59s
